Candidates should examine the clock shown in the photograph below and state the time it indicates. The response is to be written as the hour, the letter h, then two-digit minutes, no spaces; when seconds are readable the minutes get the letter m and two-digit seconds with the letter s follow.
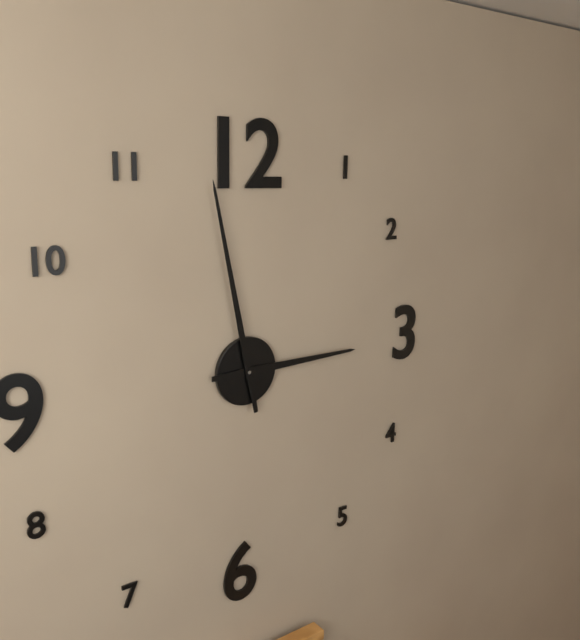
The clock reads 2h58
